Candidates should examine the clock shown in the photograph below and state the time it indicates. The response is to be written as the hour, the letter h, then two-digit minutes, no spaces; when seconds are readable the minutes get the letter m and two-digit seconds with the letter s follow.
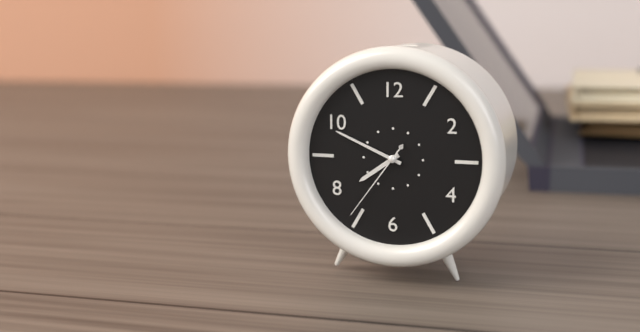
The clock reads 7h49m36s
